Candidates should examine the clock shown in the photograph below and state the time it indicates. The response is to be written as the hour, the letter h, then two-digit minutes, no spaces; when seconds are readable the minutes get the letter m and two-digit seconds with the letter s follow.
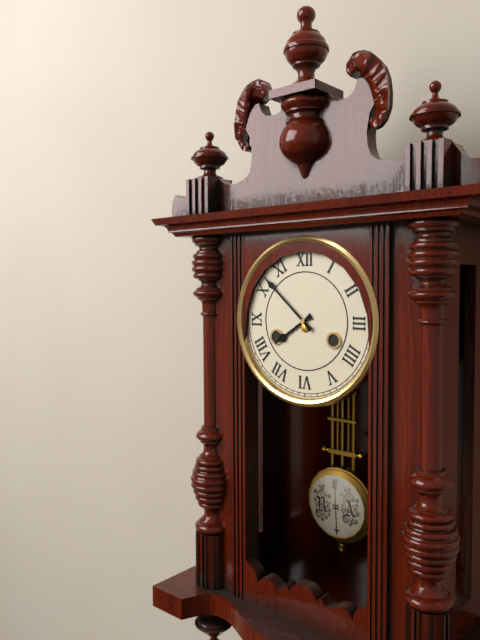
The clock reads 7h52
